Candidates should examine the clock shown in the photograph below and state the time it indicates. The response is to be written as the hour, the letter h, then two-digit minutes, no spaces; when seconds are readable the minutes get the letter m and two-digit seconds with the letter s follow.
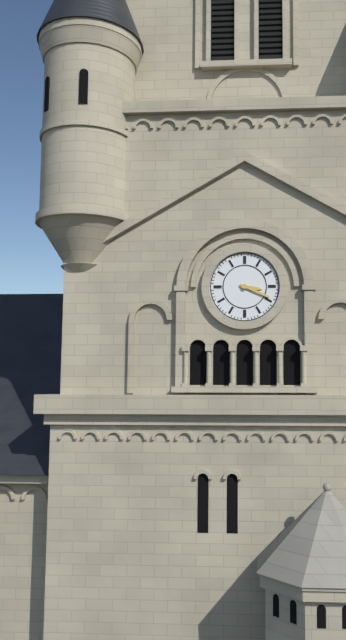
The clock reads 3h19
